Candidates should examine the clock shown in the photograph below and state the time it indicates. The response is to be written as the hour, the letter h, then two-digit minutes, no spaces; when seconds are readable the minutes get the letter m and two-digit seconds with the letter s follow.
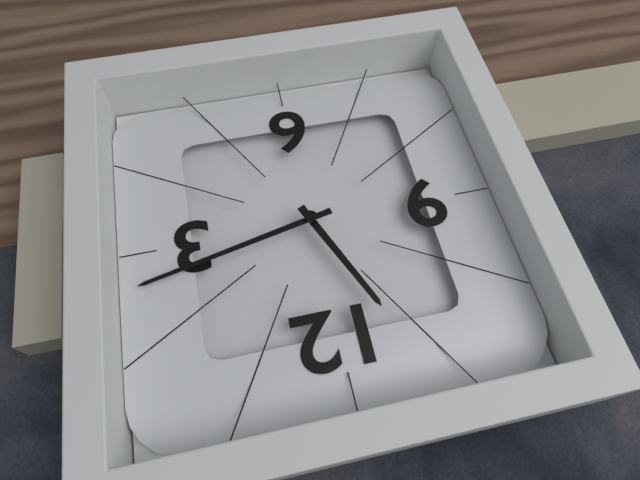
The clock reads 11h13
